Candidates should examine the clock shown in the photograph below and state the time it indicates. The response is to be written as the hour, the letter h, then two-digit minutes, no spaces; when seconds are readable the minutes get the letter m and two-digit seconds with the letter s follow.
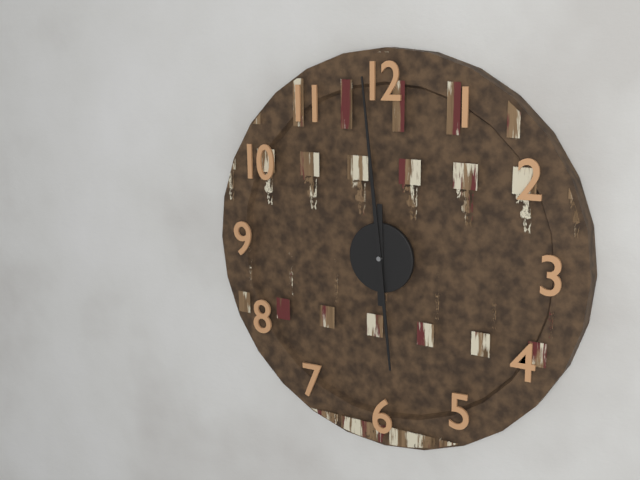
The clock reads 11h59
